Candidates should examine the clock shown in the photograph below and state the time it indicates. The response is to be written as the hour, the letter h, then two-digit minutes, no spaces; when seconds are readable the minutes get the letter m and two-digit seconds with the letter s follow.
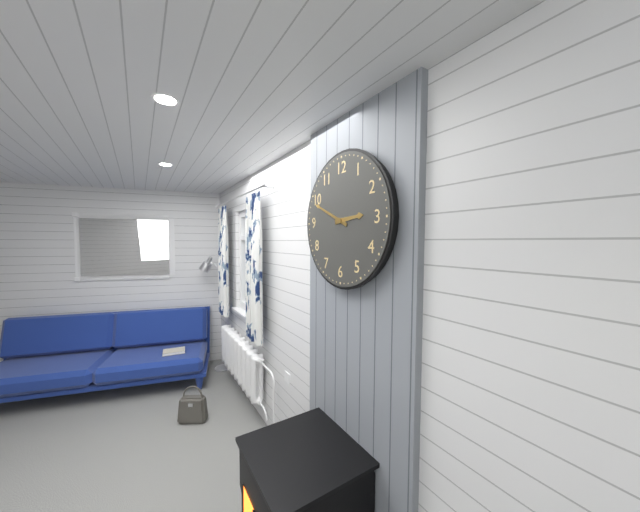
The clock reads 2h49
